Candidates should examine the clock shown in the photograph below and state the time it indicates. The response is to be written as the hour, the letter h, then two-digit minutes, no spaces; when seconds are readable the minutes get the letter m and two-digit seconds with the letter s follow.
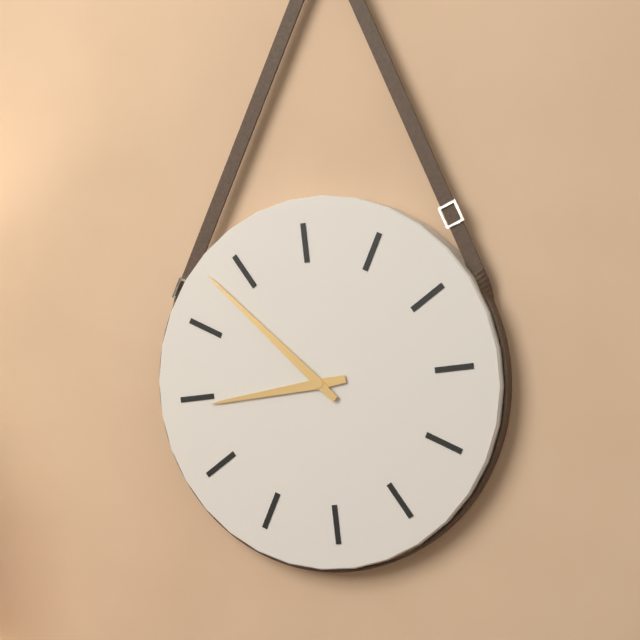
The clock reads 8h53
